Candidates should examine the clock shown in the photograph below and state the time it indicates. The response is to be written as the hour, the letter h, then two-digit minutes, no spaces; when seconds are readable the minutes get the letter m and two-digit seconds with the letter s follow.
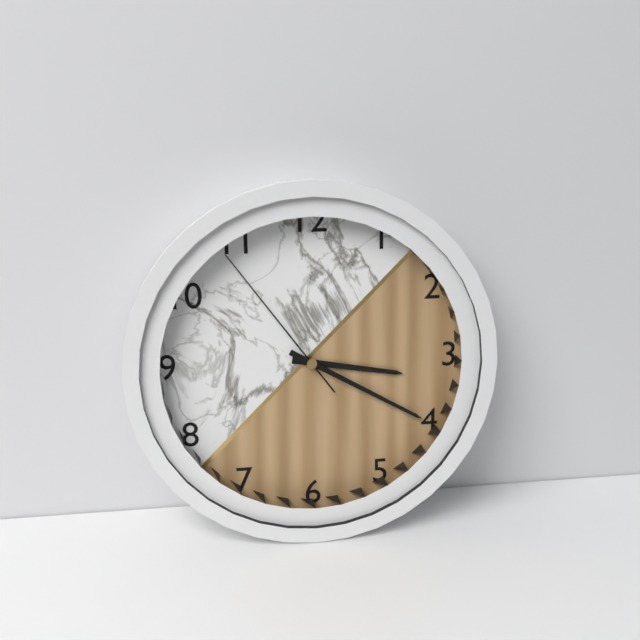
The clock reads 3h20m54s
